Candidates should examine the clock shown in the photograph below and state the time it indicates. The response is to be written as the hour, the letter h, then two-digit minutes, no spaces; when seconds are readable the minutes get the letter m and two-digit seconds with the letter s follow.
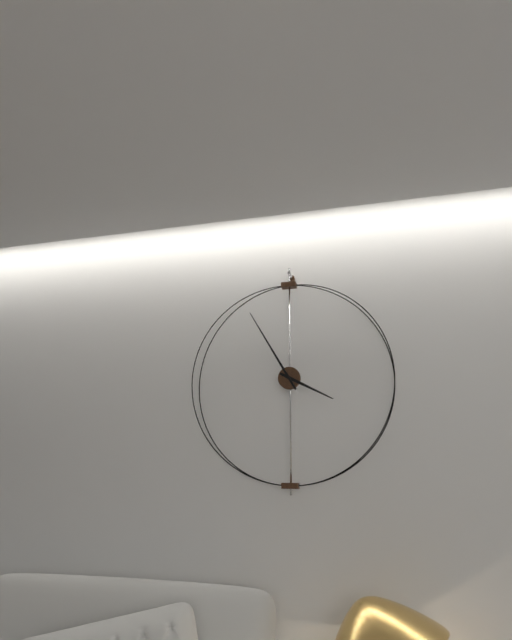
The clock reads 3h55
